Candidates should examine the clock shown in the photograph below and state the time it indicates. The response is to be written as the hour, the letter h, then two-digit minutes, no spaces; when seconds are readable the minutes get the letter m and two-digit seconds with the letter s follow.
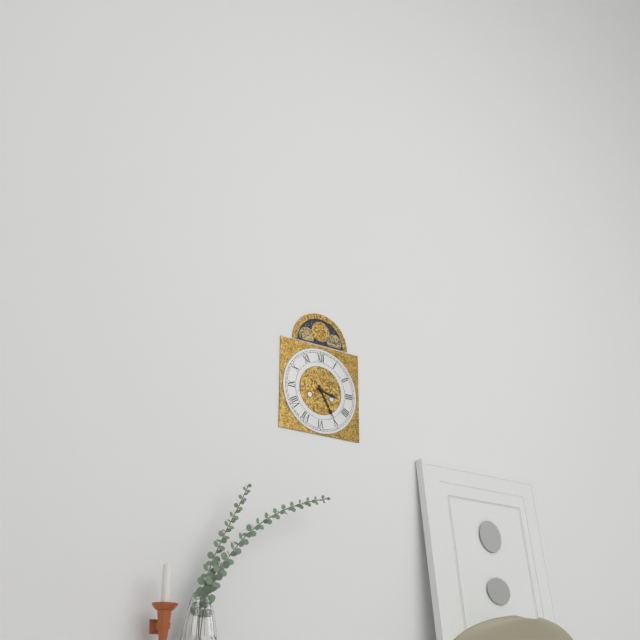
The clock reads 3h25
